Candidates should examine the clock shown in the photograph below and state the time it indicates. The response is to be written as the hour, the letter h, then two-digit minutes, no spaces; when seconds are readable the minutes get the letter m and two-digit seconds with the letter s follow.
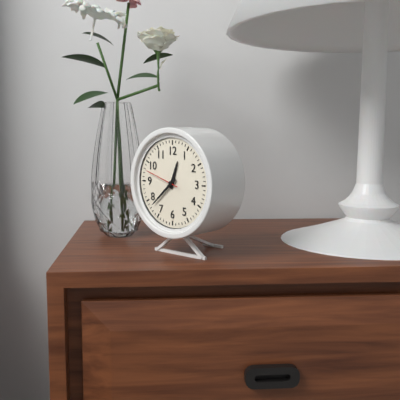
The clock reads 12h38
